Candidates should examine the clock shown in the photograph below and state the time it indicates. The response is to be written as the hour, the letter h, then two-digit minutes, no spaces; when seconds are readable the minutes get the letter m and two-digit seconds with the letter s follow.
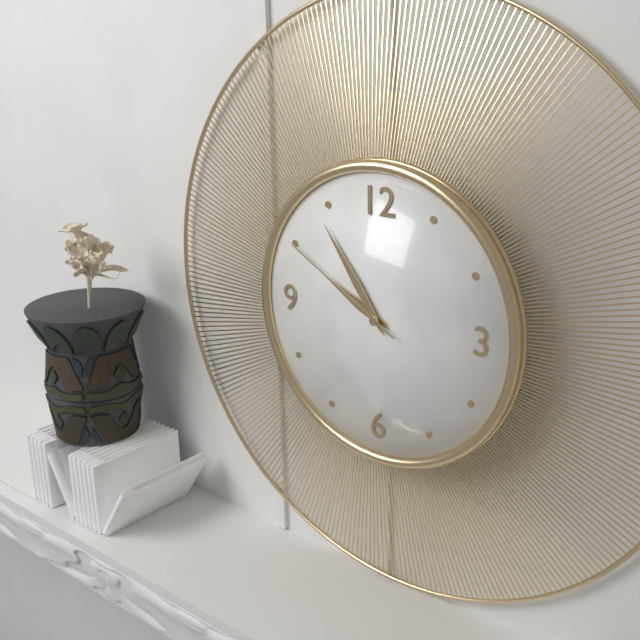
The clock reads 9h54m50s
